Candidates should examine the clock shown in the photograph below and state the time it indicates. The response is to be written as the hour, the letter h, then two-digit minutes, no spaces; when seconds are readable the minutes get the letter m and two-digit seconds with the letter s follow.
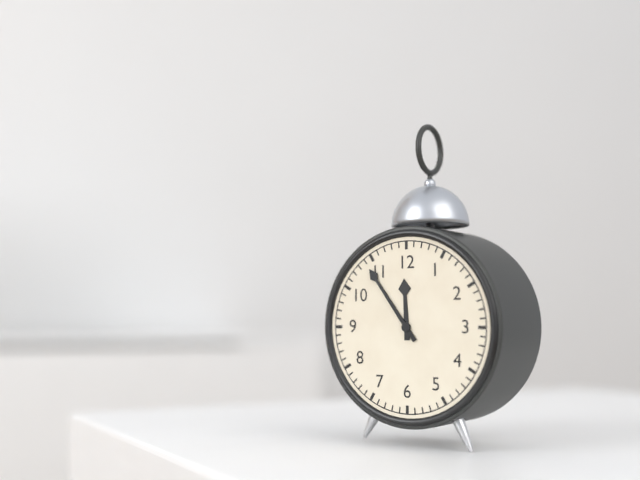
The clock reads 11h54
